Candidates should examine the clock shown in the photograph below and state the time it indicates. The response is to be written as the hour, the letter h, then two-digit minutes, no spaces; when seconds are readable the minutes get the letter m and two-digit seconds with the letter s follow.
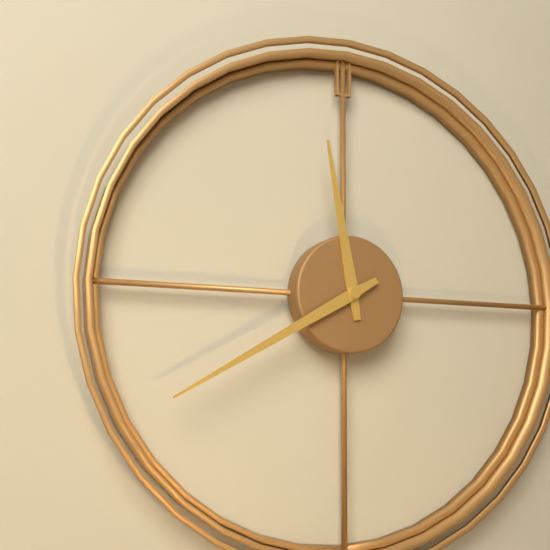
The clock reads 11h40
